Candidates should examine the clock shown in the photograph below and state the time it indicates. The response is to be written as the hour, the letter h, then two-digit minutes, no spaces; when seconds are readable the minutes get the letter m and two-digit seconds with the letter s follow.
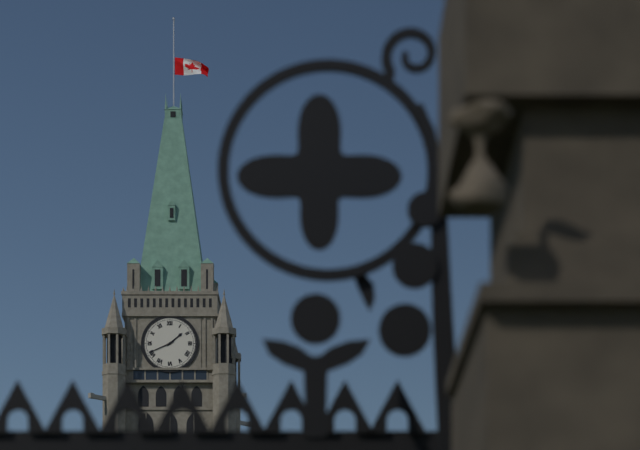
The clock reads 1h41
